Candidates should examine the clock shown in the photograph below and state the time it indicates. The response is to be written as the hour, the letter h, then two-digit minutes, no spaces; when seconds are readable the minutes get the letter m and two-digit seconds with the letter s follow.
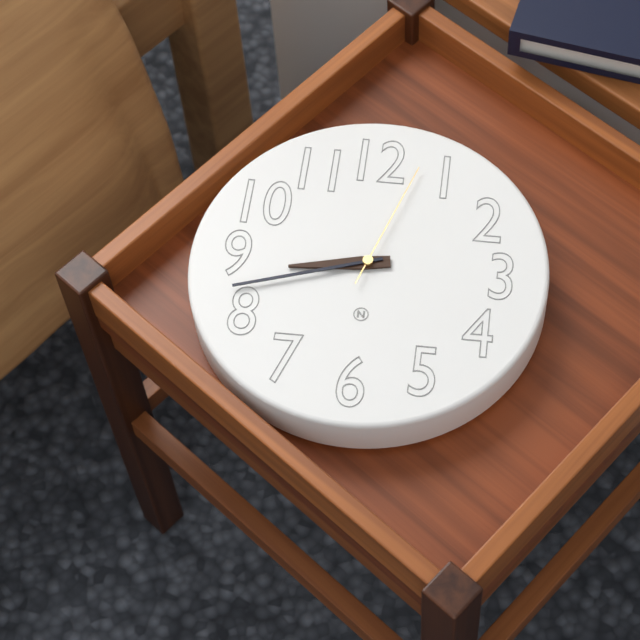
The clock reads 8h42m03s
